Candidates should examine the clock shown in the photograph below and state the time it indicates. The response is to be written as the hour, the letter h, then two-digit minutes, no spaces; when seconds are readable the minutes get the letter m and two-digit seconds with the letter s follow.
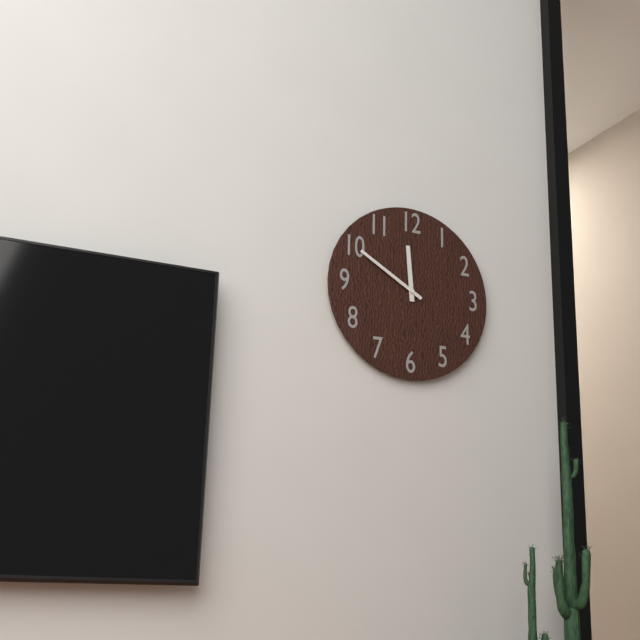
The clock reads 11h50
